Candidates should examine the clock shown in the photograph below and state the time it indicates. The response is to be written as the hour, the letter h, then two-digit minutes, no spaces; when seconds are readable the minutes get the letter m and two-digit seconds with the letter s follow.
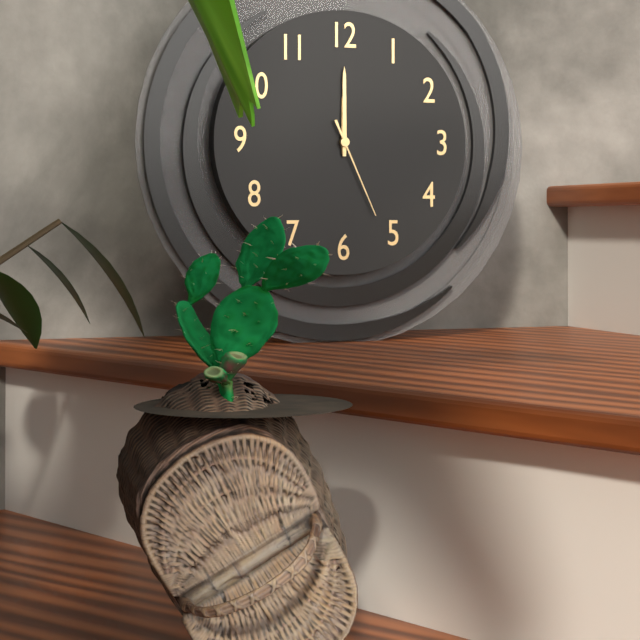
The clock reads 12h00m26s
